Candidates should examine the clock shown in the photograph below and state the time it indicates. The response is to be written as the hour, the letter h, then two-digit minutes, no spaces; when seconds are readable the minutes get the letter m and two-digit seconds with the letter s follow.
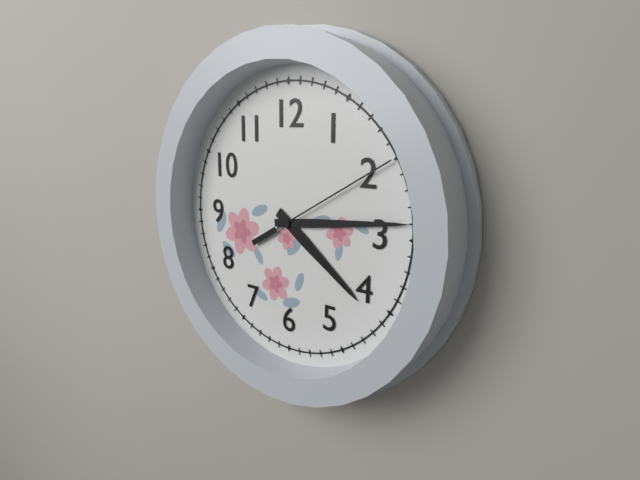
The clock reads 4h14m10s
